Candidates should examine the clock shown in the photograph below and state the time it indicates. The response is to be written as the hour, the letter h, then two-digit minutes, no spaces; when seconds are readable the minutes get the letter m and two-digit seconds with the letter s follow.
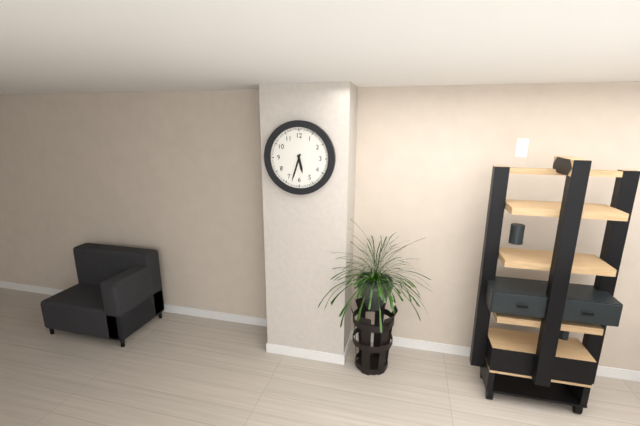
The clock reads 5h33
